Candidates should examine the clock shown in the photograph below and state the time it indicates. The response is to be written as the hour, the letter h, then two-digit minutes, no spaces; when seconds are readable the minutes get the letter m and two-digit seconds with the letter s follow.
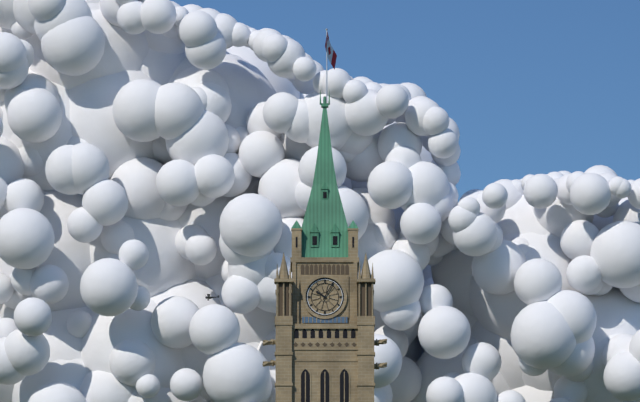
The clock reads 10h05
